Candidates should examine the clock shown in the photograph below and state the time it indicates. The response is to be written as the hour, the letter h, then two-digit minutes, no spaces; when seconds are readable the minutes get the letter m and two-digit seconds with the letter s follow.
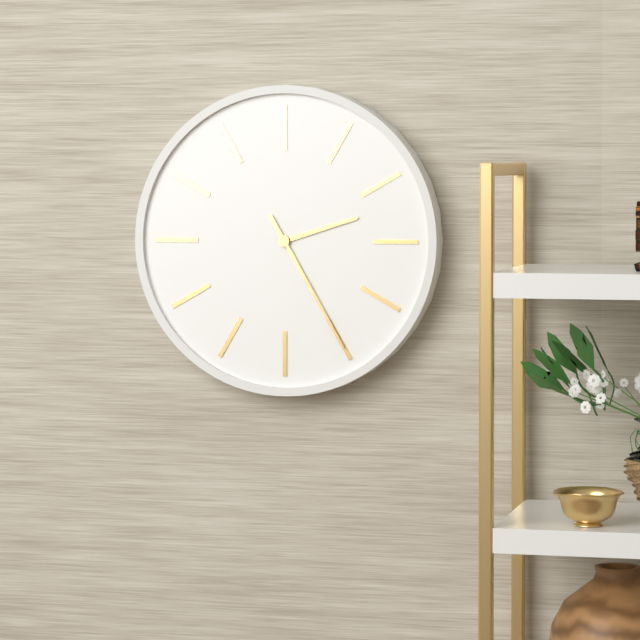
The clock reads 2h25
